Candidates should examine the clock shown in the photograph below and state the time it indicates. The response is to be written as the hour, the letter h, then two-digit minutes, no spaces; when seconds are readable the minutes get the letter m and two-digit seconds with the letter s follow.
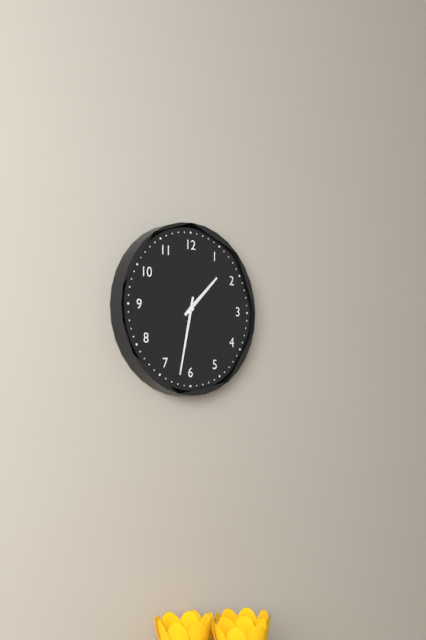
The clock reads 1h32
